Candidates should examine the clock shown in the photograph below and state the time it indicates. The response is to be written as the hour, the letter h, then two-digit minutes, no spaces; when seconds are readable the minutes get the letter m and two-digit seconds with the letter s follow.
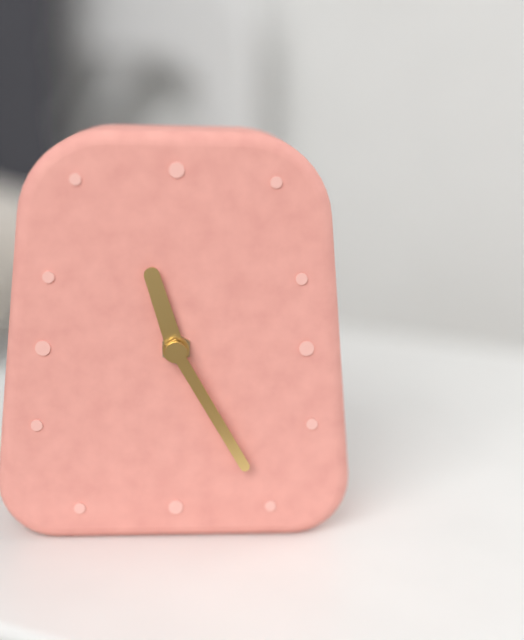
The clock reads 11h25
